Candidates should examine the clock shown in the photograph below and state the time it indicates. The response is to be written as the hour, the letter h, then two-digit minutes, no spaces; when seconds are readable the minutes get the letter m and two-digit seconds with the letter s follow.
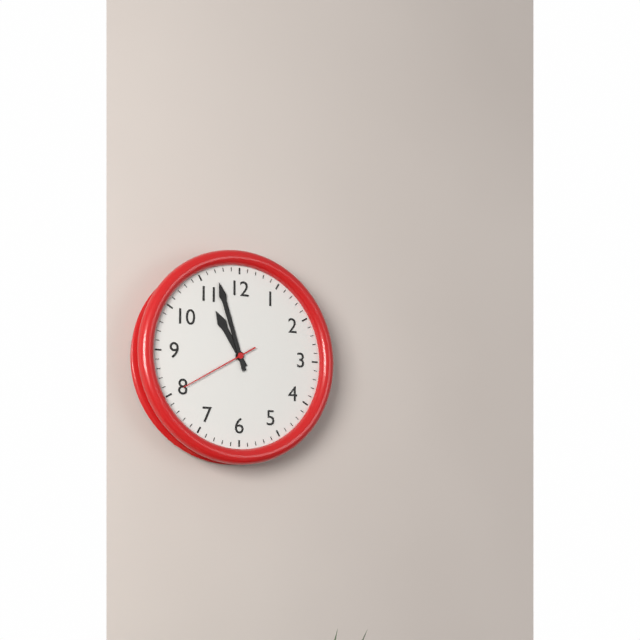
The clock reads 10h57m40s
